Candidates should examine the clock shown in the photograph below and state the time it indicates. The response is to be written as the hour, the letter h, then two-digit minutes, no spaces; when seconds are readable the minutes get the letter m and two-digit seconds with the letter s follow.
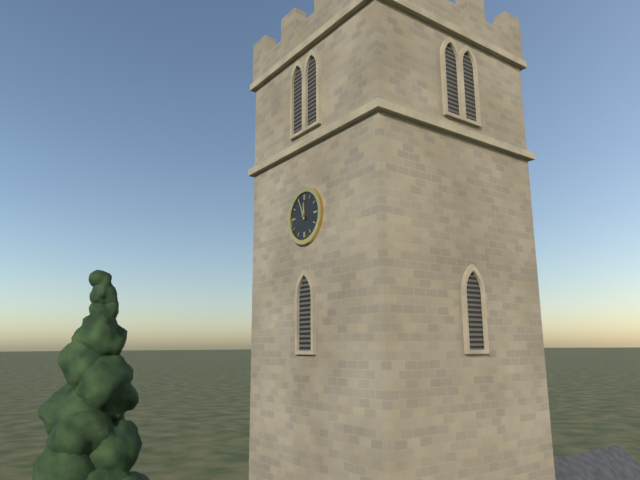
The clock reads 11h56
